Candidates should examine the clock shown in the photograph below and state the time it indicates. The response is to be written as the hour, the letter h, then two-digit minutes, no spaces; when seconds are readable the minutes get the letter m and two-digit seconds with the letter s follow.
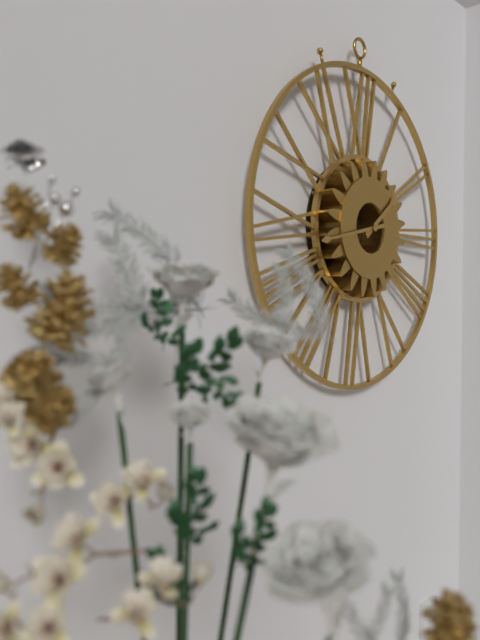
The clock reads 1h43
